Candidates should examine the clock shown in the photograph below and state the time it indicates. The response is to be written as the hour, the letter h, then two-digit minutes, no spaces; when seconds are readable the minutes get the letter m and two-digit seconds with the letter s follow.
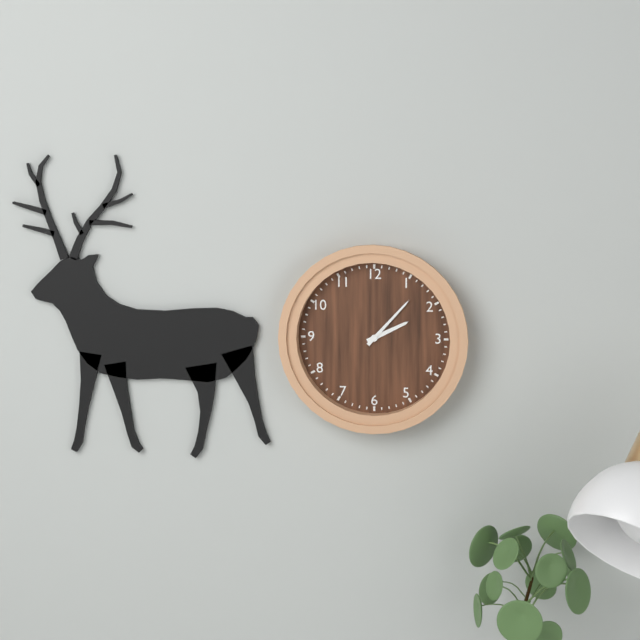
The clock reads 2h07
